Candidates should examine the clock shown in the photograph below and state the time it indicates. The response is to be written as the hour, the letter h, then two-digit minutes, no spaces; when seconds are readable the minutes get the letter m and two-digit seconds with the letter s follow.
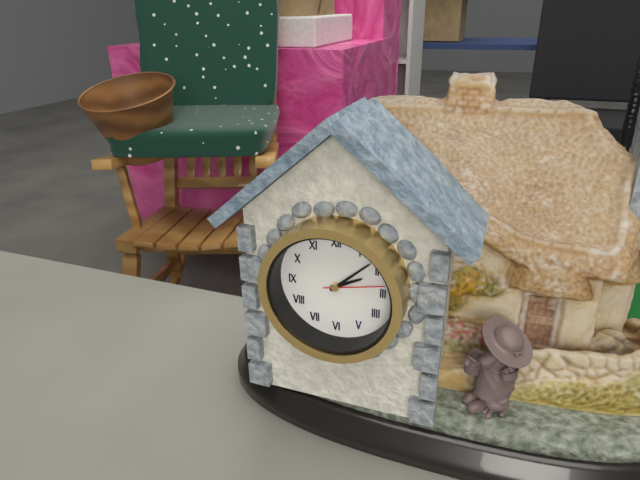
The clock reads 2h08m13s
